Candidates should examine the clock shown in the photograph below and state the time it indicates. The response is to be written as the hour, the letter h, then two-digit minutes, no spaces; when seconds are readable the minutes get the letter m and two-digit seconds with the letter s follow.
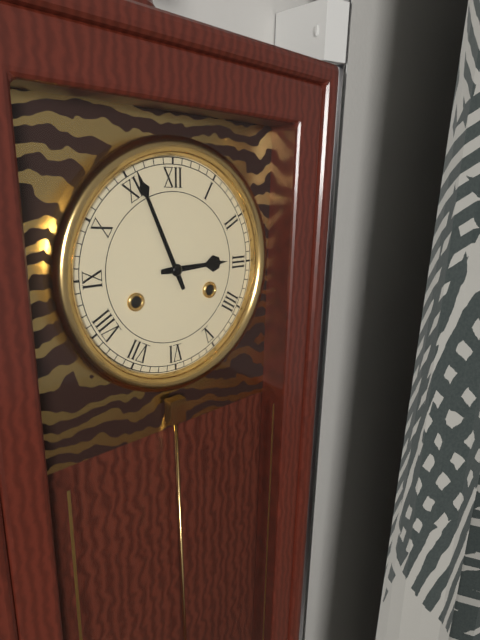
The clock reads 2h56
